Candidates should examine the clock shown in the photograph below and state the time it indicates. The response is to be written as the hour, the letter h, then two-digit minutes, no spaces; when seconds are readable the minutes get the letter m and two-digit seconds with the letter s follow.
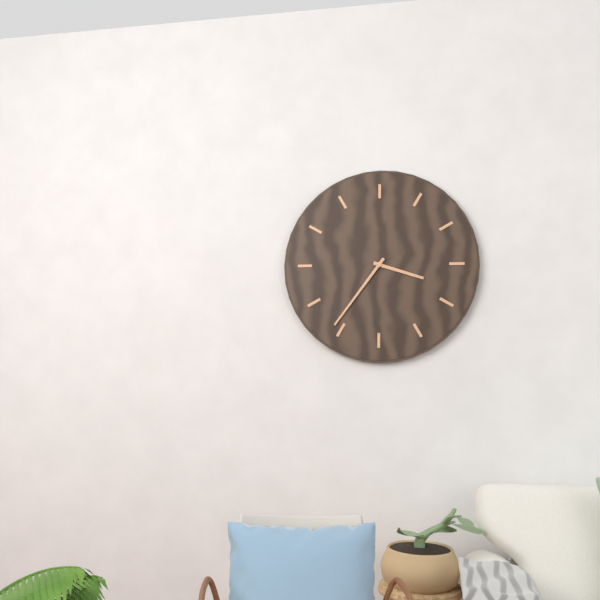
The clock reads 3h36
